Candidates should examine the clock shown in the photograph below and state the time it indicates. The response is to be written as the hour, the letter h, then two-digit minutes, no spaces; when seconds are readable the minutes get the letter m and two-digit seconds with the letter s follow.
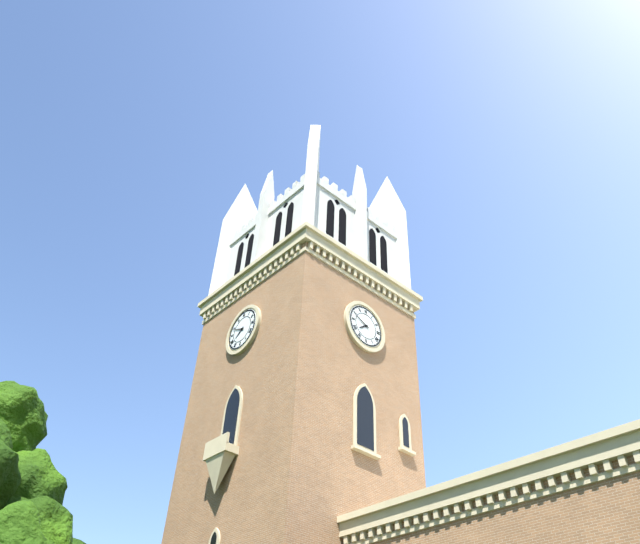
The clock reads 7h49
